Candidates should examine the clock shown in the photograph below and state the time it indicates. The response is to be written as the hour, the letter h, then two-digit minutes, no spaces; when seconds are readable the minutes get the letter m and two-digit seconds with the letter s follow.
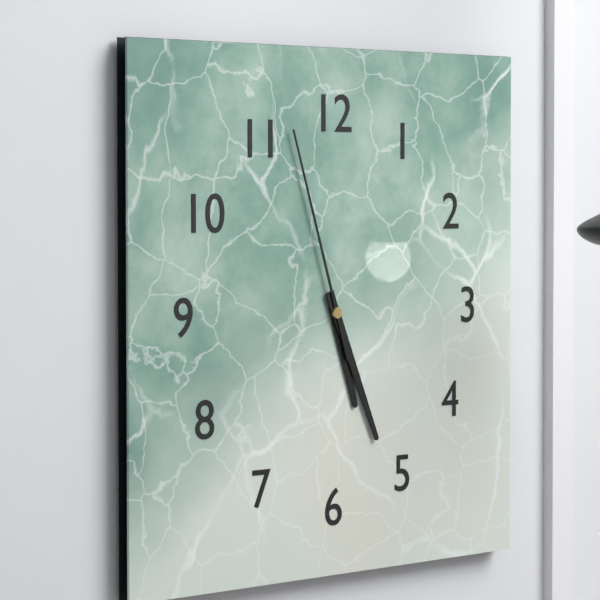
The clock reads 5h26m57s
